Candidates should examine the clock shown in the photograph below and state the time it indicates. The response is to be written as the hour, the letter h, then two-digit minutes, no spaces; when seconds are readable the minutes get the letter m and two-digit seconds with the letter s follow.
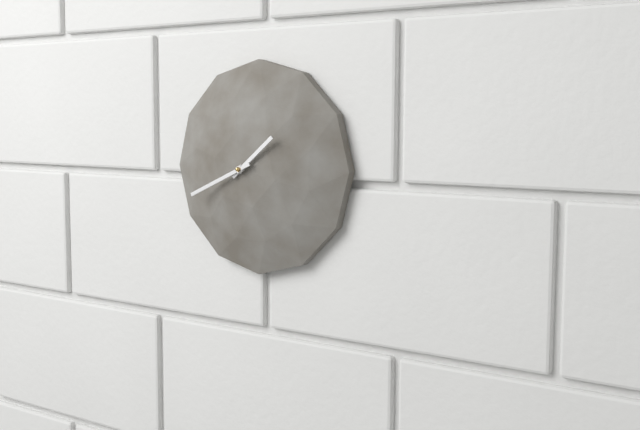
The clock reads 1h41
